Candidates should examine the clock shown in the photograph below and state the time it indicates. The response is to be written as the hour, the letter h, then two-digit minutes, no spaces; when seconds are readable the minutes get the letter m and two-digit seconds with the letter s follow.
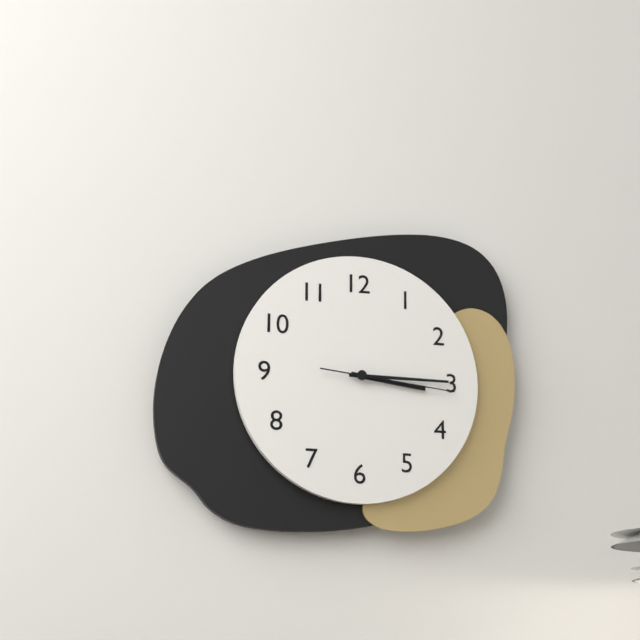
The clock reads 3h15m16s
